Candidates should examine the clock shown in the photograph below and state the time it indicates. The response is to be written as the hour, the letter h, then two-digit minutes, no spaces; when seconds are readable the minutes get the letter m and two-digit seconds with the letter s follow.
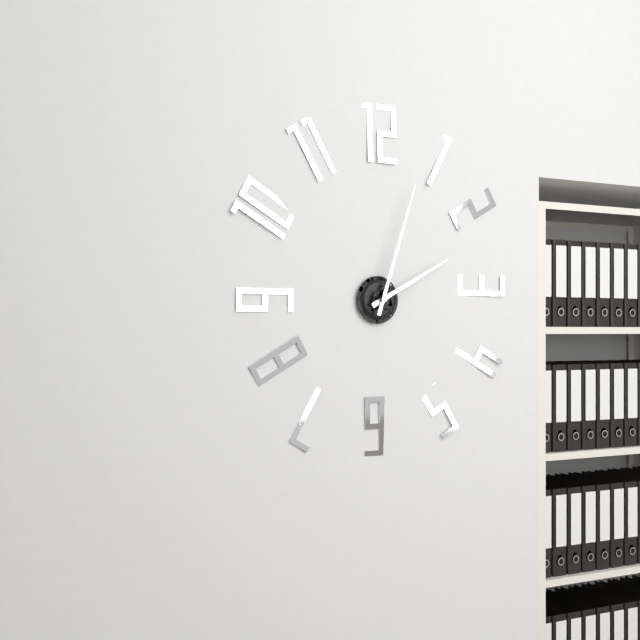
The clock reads 2h03
